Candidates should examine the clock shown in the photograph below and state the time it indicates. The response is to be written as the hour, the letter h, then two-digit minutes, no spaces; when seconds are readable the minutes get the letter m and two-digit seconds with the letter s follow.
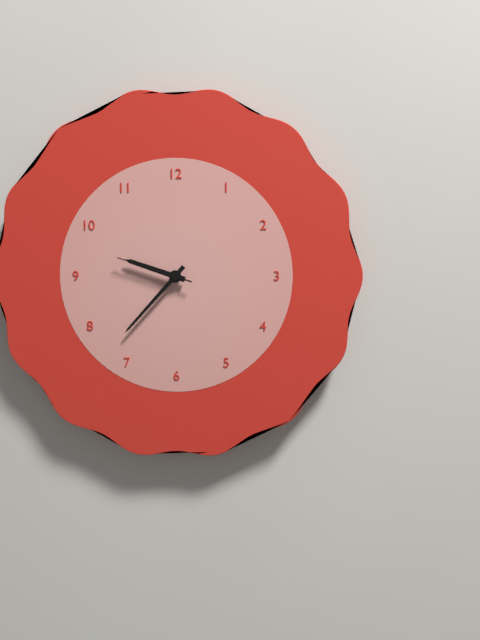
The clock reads 9h37m48s
